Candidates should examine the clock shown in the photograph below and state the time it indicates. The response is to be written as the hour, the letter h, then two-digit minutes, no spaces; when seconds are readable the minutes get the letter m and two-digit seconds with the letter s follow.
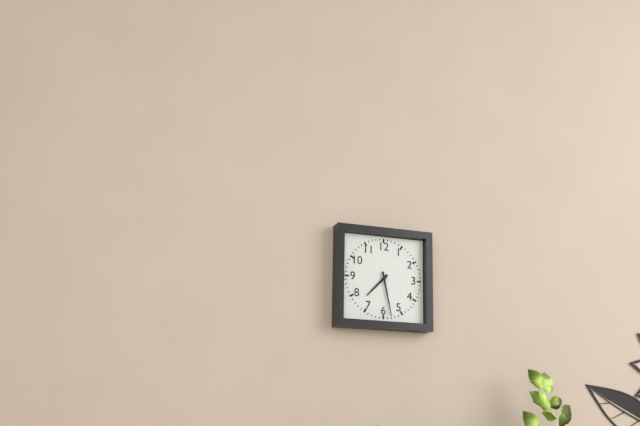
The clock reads 7h28
